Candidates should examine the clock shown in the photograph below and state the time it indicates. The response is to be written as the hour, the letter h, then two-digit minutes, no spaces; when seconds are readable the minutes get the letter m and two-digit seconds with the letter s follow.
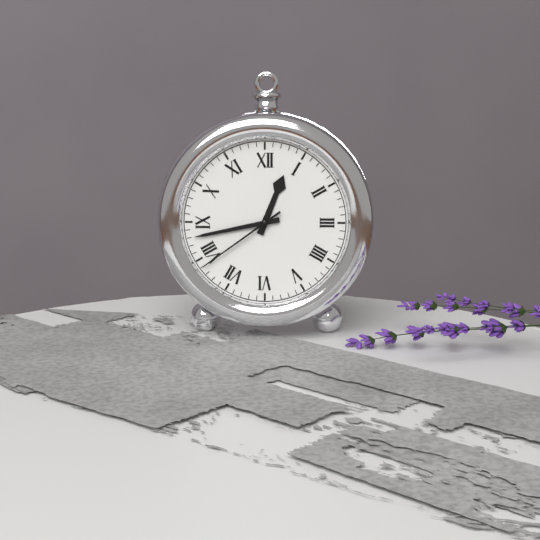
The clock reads 12h43m39s
